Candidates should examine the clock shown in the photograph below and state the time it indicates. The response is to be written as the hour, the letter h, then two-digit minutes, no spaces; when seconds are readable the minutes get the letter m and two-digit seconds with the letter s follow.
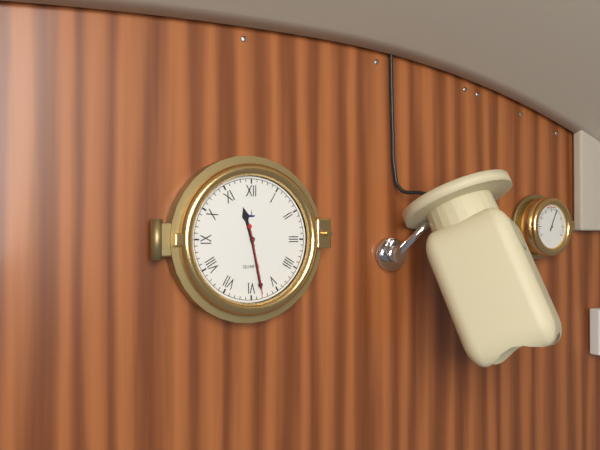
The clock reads 11h28m28s
